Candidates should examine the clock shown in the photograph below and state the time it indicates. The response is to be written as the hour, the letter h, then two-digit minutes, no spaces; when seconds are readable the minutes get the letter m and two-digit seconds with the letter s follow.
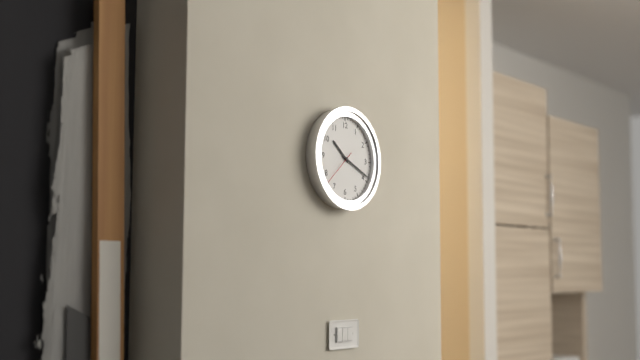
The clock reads 10h19
